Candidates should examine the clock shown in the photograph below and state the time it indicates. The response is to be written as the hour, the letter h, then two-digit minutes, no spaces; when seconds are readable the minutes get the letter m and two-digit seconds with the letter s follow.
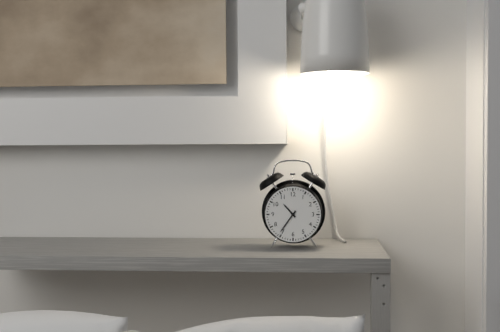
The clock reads 10h36
